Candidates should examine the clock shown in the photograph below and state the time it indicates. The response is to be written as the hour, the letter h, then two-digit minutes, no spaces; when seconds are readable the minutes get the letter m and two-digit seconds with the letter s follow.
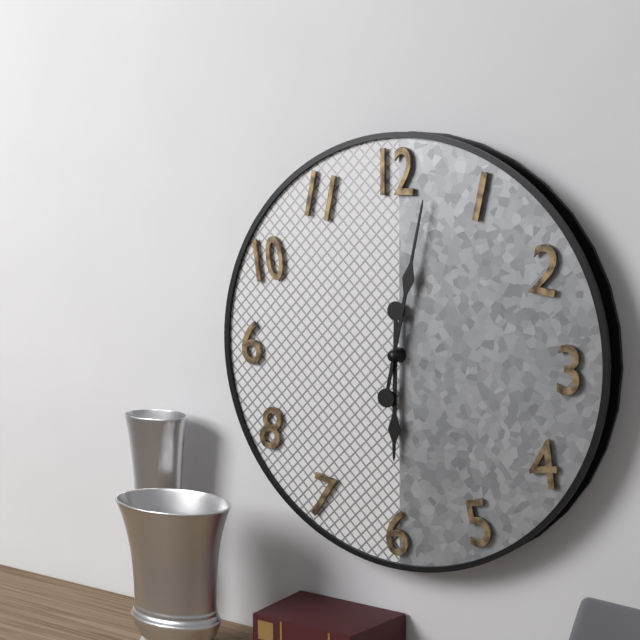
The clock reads 6h02
